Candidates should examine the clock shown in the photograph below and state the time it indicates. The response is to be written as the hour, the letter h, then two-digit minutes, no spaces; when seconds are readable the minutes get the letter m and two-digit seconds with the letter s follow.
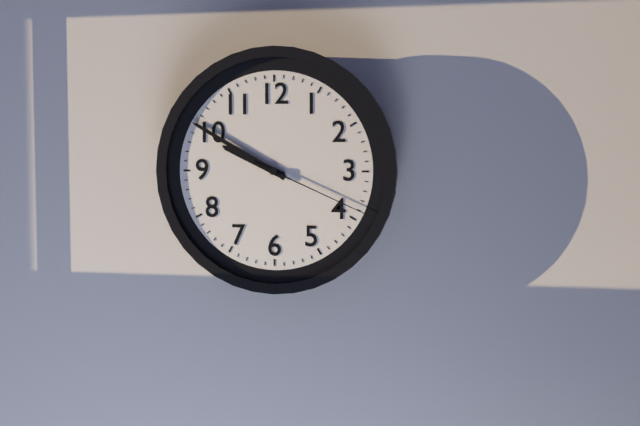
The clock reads 9h50m19s
